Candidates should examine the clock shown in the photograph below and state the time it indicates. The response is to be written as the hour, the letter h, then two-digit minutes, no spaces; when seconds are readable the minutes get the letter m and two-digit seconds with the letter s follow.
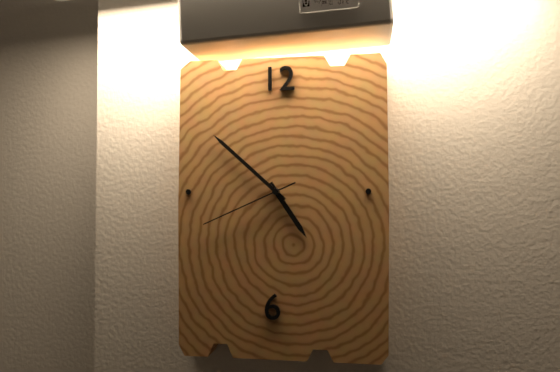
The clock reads 4h52m41s
